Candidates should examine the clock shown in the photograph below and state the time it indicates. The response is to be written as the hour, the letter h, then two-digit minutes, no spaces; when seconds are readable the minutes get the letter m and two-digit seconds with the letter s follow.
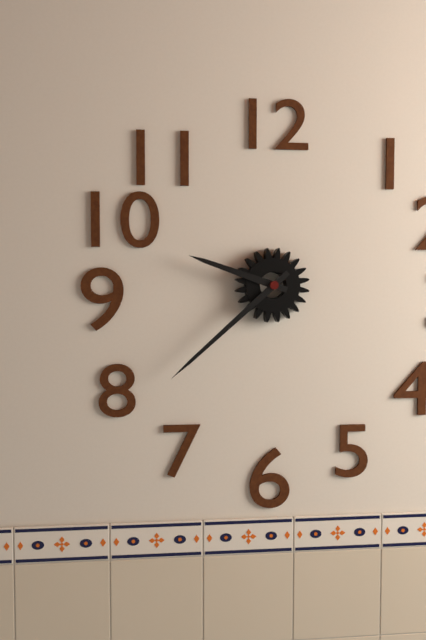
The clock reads 9h38
